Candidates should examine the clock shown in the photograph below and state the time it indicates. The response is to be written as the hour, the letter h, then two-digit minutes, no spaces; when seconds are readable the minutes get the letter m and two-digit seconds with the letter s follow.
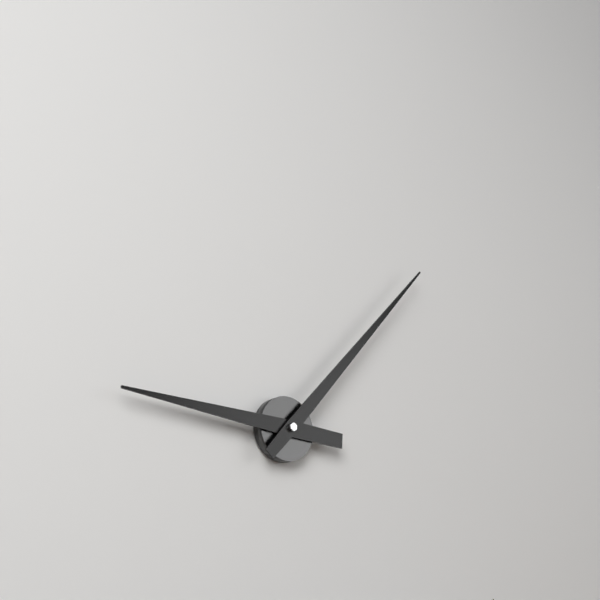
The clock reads 9h07
